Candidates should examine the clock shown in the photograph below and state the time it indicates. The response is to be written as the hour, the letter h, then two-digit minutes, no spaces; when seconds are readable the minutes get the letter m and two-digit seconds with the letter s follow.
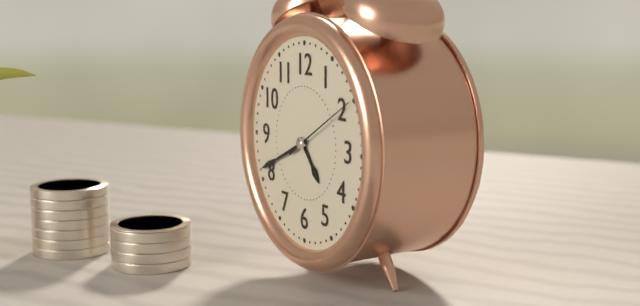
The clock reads 4h41m10s
